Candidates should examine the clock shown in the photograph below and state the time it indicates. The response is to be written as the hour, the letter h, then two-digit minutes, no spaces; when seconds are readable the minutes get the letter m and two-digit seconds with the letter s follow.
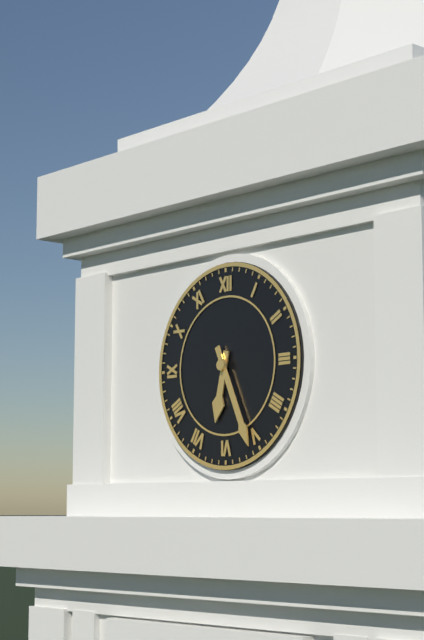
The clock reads 6h26
